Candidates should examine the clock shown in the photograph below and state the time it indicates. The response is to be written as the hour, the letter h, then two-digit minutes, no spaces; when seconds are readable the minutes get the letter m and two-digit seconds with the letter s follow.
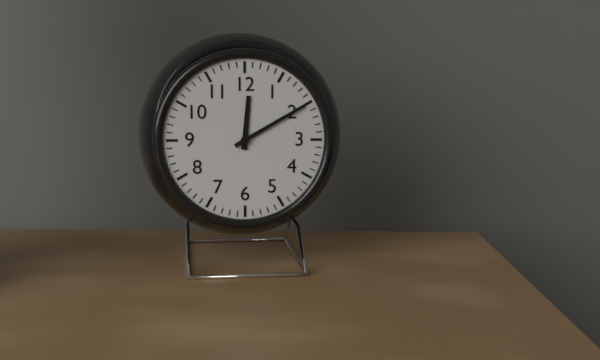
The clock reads 12h10
